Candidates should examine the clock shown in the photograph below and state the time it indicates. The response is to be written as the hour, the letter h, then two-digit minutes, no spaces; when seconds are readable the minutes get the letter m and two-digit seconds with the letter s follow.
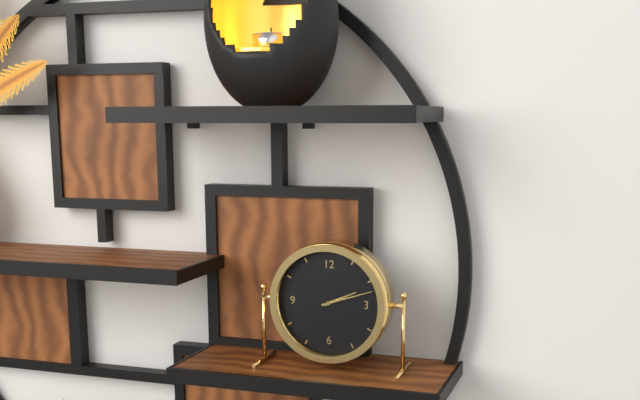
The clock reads 2h12
